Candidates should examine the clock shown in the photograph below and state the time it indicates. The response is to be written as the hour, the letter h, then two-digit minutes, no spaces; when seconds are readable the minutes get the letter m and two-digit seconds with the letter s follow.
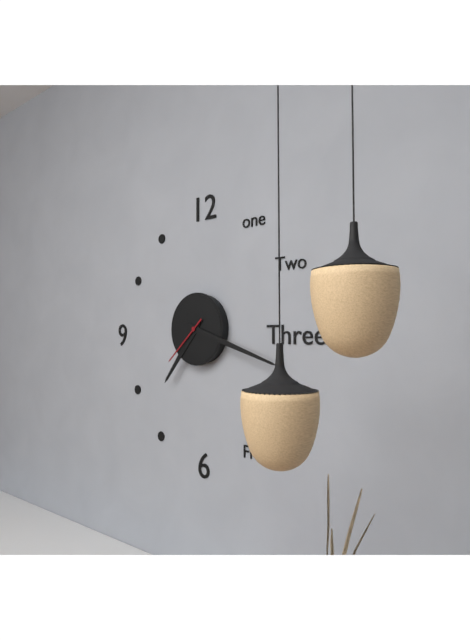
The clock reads 7h18m38s
